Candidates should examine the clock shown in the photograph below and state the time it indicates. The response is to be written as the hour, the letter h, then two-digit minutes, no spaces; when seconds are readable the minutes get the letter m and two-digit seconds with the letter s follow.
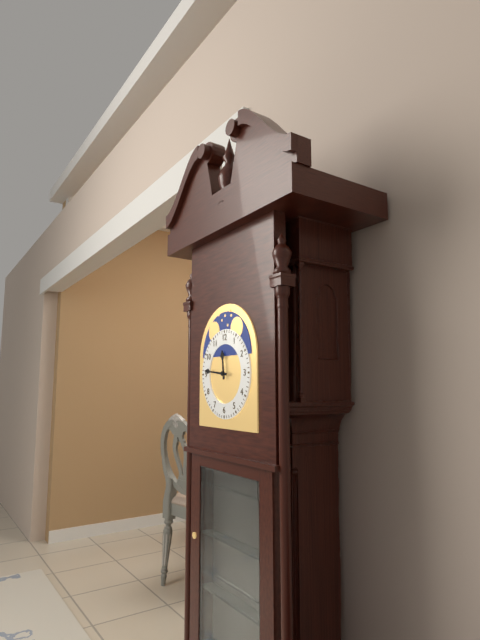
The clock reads 11h46
